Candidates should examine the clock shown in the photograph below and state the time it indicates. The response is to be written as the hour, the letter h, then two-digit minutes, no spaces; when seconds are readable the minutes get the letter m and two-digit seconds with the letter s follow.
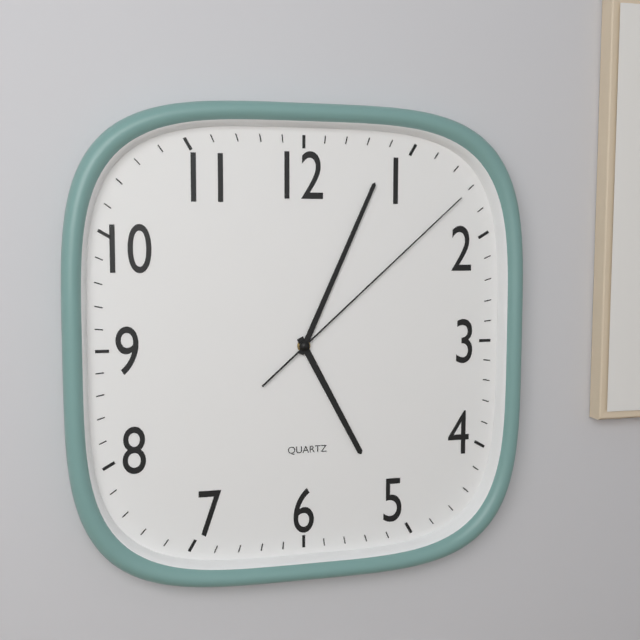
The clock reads 5h04m08s
